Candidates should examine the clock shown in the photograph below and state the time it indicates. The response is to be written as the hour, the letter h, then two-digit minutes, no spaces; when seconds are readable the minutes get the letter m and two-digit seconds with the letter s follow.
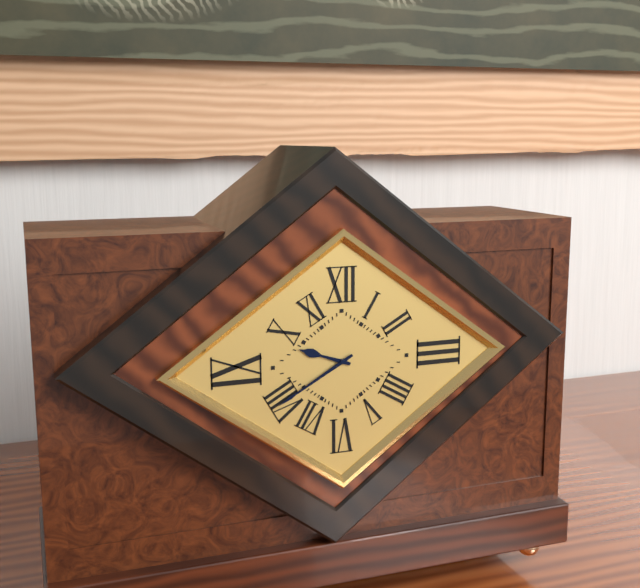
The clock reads 9h40
